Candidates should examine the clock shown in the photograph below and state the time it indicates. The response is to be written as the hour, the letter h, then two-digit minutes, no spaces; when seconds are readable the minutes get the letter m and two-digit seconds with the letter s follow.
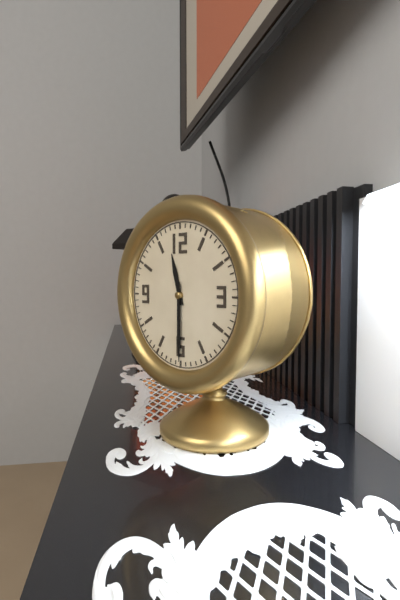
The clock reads 11h30
